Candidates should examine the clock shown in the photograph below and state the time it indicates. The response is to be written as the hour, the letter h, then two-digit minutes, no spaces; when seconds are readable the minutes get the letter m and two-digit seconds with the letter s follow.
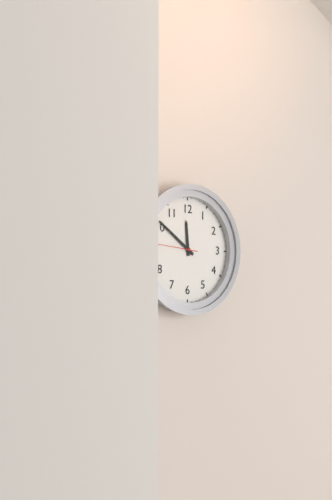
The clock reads 11h51
